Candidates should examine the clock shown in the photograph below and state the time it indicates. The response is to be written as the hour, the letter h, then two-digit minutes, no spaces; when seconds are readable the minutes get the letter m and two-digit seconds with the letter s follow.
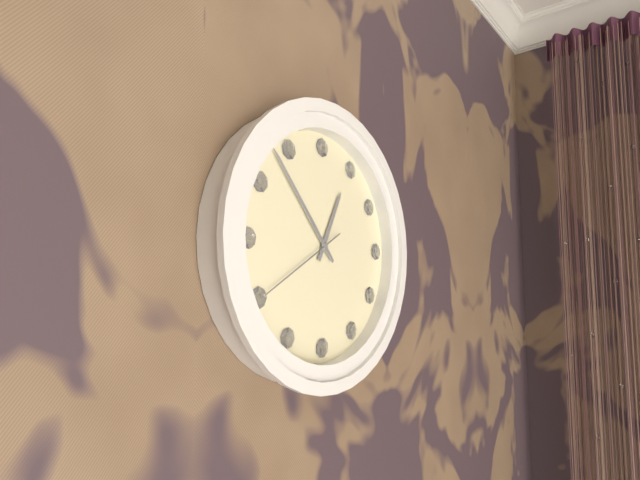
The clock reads 12h53m40s
